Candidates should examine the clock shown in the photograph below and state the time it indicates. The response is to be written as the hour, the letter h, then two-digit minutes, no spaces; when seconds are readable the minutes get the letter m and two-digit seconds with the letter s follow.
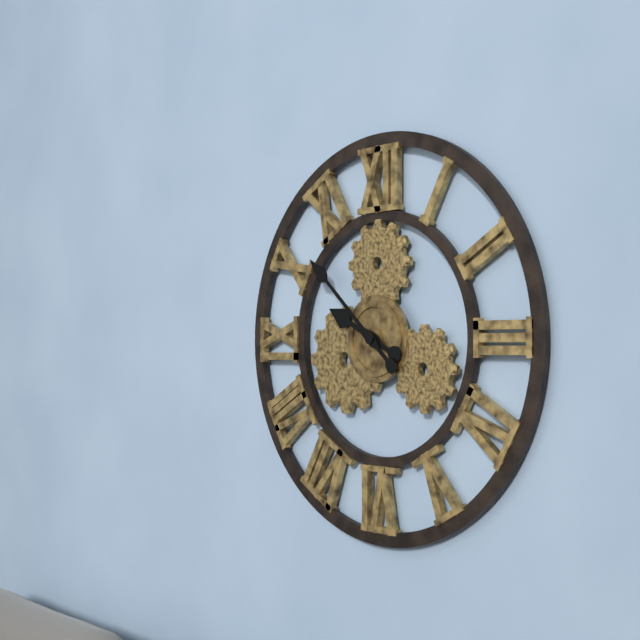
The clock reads 9h52
